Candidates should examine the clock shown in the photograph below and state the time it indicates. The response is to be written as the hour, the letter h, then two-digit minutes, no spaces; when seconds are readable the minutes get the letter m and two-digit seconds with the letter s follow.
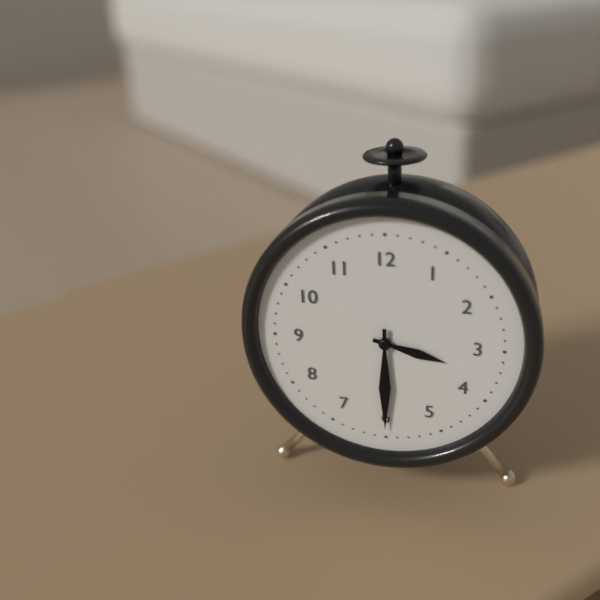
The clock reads 3h30
